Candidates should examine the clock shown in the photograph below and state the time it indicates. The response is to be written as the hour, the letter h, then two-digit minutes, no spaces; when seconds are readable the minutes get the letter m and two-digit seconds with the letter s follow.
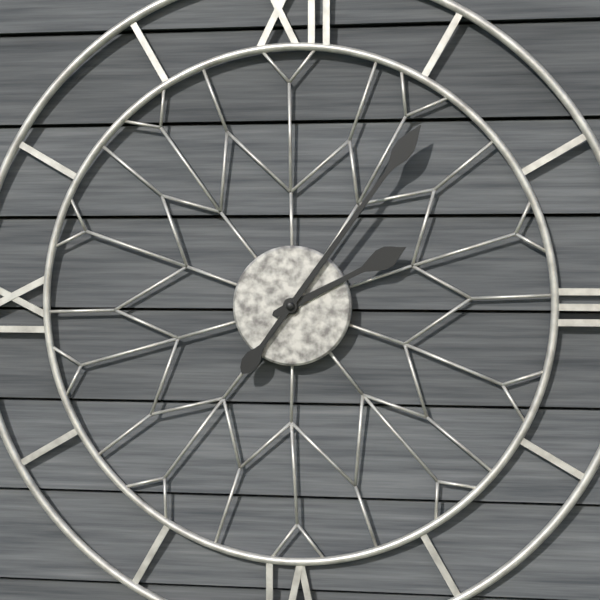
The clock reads 2h06
